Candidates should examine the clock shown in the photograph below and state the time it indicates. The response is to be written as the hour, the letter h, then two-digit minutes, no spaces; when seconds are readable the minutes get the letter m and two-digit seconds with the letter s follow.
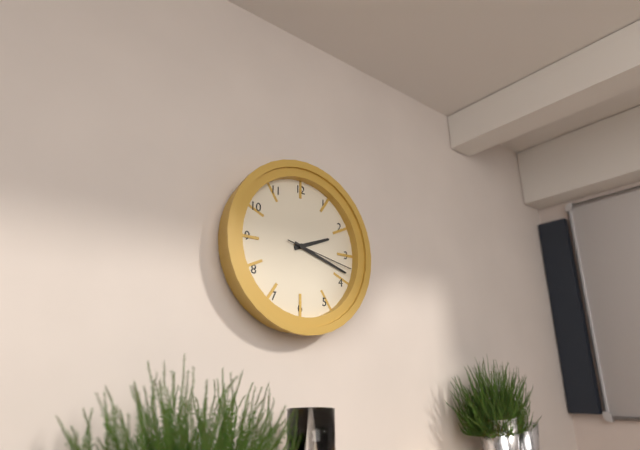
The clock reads 2h18m17s
